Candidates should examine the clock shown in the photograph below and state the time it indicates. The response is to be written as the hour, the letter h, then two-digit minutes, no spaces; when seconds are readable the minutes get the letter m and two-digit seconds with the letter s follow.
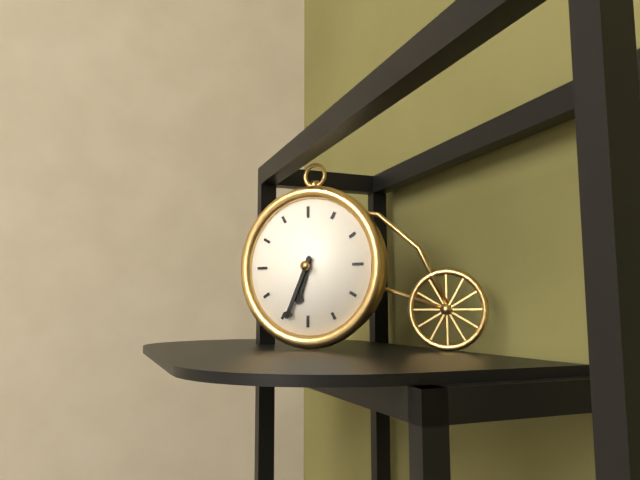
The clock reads 6h34
